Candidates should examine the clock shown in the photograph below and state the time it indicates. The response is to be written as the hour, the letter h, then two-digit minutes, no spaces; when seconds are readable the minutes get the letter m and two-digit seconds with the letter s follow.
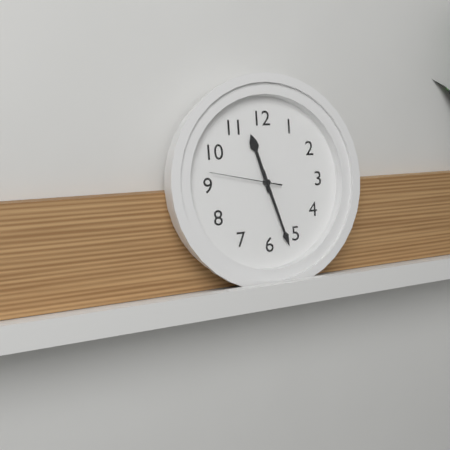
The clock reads 11h27m47s
